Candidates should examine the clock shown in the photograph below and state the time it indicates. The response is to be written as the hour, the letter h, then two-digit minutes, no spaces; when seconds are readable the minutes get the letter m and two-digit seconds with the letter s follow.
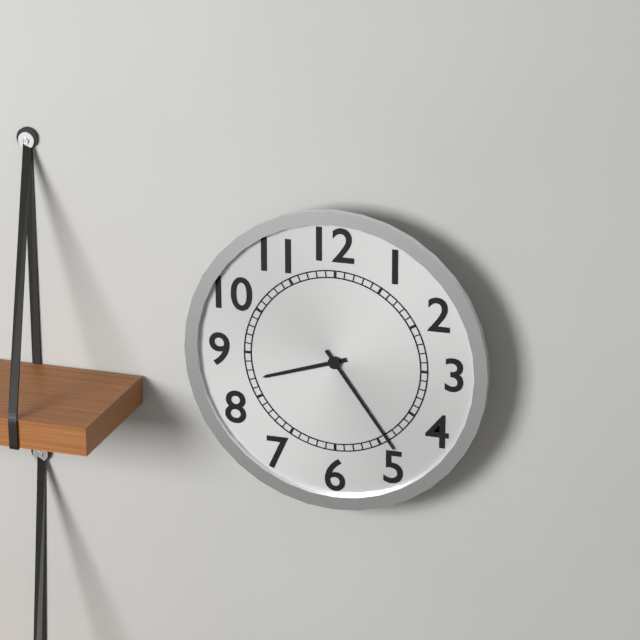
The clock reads 8h24
